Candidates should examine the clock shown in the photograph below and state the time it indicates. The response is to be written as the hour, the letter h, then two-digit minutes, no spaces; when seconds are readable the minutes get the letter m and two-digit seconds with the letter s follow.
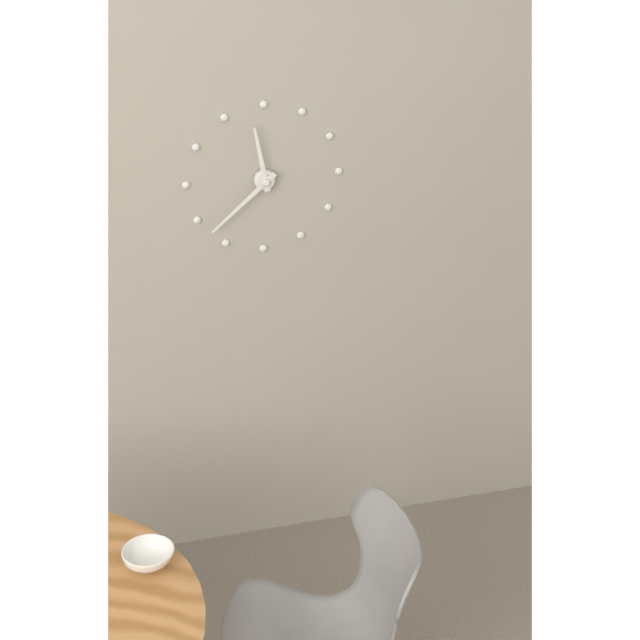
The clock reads 11h38
